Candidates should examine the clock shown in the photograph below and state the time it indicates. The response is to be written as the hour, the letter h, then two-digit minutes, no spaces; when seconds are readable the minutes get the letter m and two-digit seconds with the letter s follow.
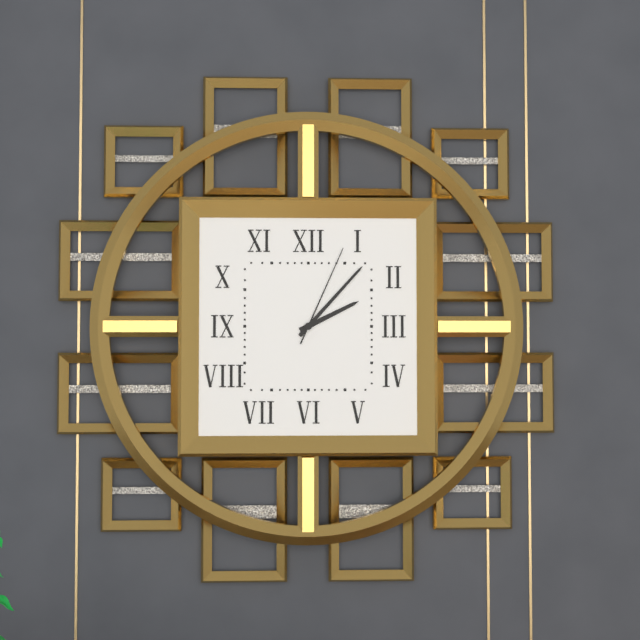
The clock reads 2h07m04s
